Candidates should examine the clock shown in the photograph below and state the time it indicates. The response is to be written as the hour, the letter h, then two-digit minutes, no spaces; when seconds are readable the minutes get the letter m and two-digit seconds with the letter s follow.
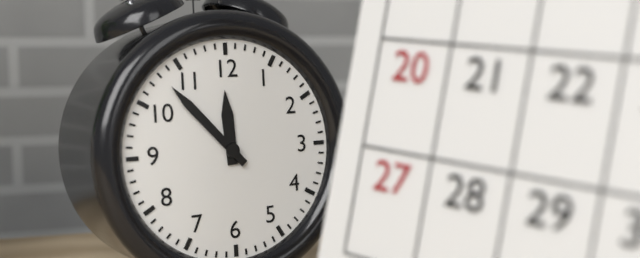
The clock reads 11h53
